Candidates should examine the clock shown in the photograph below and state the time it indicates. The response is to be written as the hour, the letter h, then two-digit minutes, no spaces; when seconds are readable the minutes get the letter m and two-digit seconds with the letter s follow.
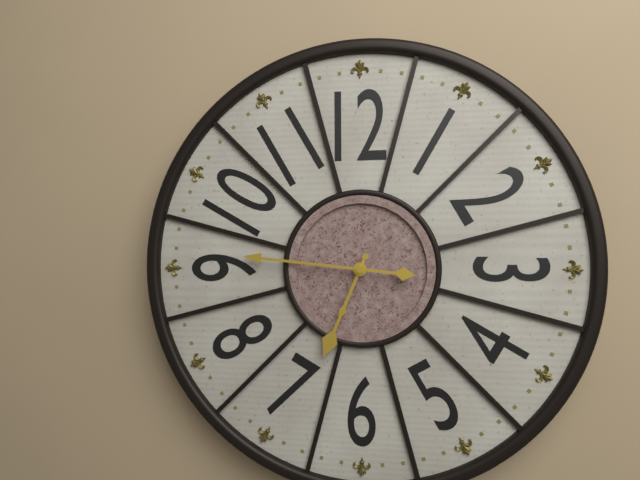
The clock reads 6h46
